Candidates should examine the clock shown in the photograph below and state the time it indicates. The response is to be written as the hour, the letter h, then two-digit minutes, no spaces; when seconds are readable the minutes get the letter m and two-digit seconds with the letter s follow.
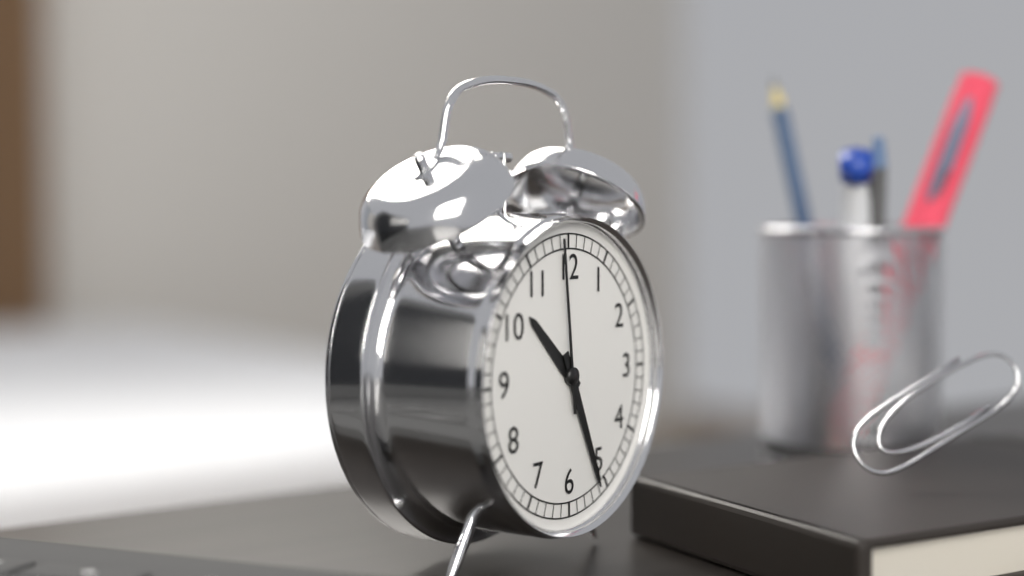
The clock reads 10h26m59s
